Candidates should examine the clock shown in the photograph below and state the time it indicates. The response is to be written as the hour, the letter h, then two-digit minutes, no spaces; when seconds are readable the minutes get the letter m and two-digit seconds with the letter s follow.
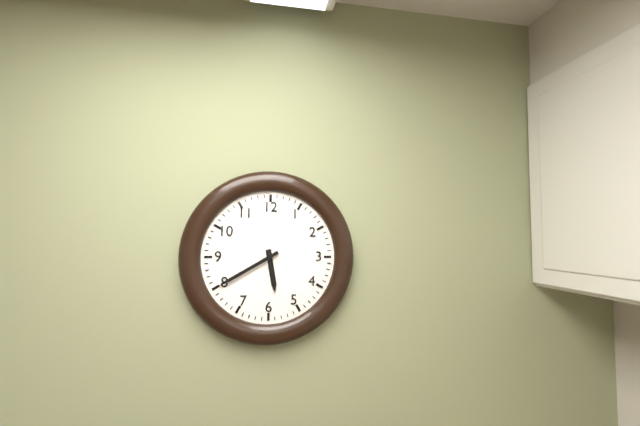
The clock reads 5h40
